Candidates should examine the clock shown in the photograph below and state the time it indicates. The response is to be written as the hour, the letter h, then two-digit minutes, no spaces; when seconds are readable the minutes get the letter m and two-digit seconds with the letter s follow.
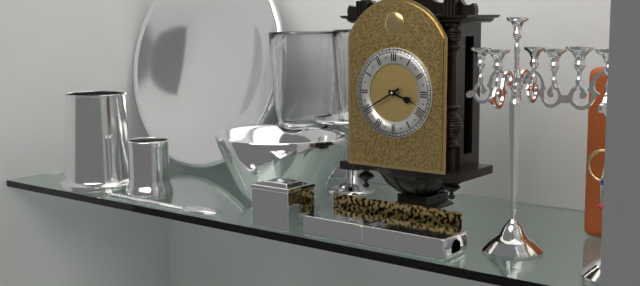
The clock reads 3h40
